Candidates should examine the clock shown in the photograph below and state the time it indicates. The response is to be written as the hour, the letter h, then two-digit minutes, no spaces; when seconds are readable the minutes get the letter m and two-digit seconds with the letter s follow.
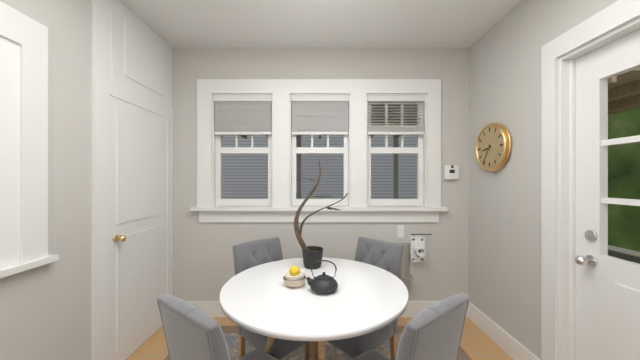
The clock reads 8h35
